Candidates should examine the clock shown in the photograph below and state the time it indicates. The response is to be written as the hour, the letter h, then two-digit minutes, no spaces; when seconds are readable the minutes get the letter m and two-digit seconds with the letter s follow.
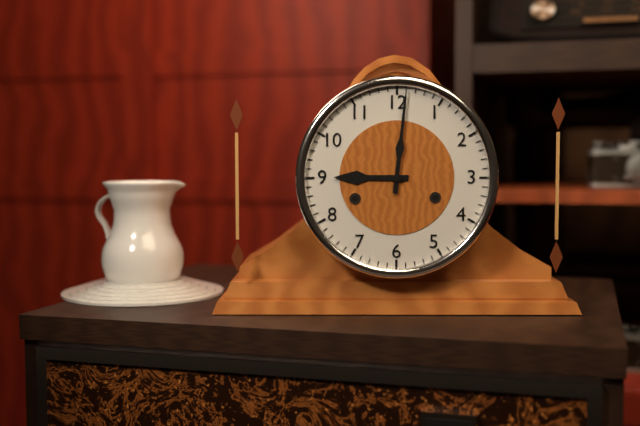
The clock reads 9h01
